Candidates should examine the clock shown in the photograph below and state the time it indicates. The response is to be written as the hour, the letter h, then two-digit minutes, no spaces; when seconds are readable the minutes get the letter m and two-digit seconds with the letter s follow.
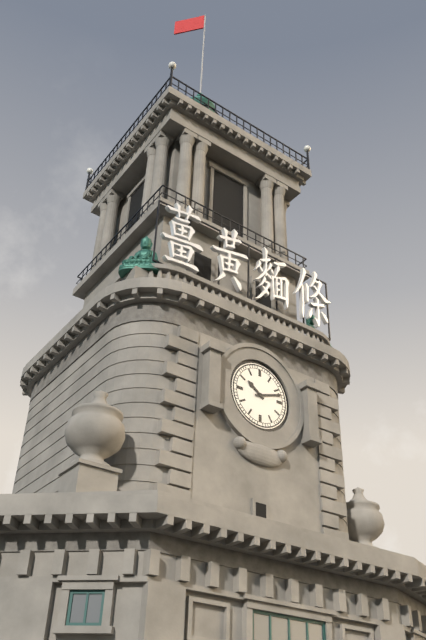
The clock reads 10h12
